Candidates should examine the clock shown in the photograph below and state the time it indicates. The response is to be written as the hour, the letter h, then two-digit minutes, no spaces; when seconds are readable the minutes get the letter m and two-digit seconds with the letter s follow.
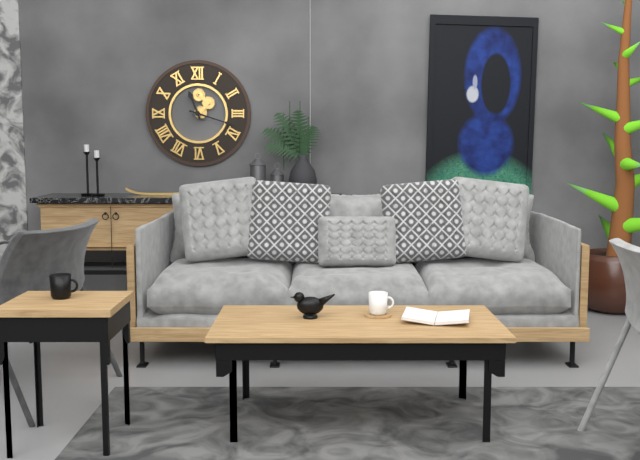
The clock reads 11h18
